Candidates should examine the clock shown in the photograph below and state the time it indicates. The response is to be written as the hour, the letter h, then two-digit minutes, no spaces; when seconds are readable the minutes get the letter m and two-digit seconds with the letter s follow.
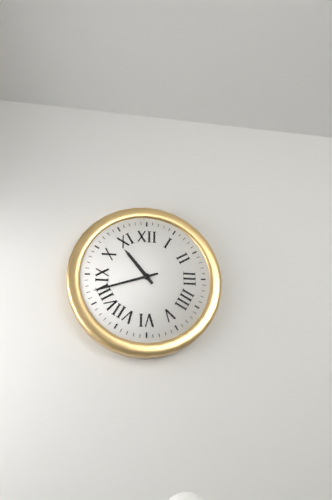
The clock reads 10h42
